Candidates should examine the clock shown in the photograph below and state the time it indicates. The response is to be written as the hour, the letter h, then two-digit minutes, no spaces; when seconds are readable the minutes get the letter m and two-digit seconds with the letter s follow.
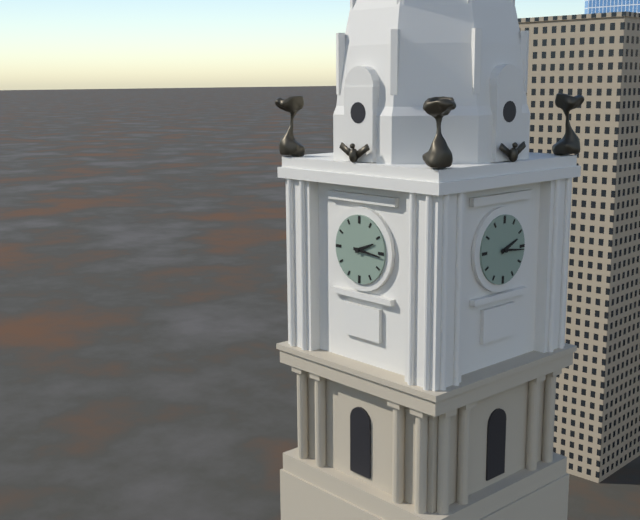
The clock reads 2h16
